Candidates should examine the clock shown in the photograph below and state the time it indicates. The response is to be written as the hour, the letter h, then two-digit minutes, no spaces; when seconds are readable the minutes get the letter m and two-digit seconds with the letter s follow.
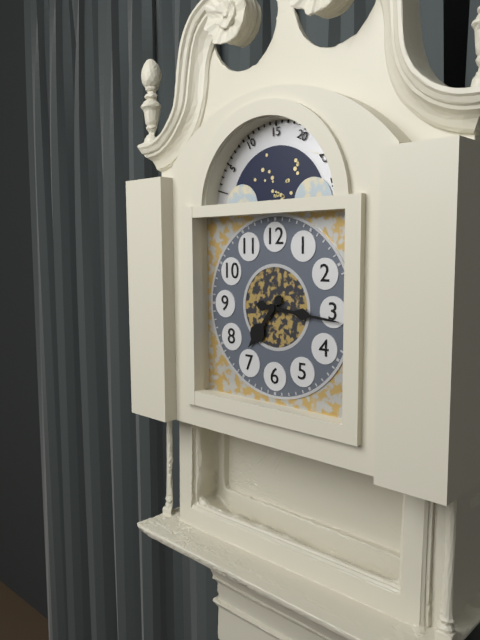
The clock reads 7h16
